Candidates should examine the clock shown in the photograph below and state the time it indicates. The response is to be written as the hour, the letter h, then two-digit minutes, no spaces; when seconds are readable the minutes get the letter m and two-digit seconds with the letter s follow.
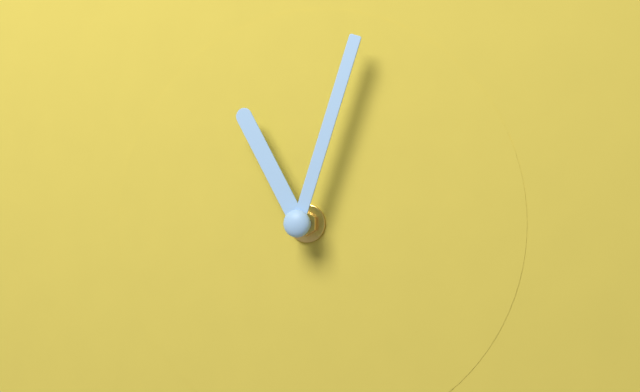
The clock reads 11h03
